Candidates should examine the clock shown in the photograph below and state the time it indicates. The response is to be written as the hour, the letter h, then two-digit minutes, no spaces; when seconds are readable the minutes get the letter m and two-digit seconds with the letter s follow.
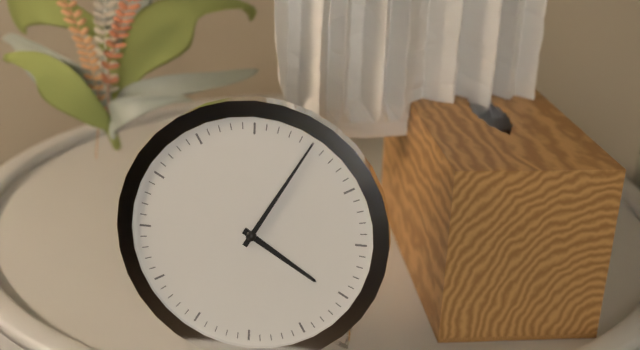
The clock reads 4h05
